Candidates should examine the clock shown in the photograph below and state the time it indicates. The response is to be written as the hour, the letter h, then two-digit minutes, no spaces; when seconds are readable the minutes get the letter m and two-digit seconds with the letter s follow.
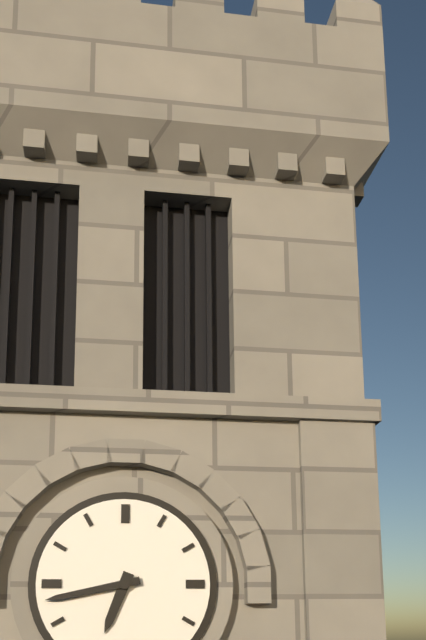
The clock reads 6h43
